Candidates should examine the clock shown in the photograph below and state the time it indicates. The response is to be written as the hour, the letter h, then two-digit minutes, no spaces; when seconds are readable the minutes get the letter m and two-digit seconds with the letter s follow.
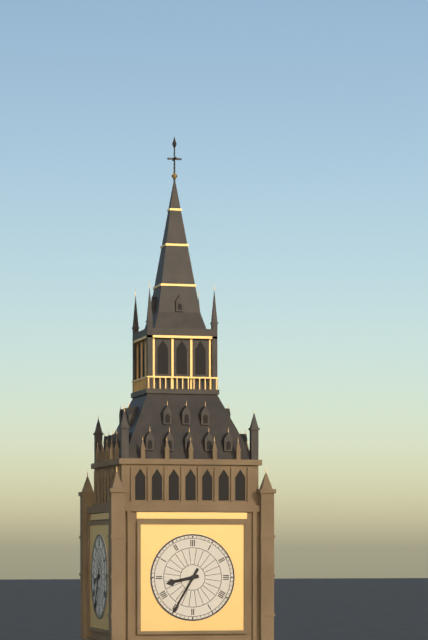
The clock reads 8h35
